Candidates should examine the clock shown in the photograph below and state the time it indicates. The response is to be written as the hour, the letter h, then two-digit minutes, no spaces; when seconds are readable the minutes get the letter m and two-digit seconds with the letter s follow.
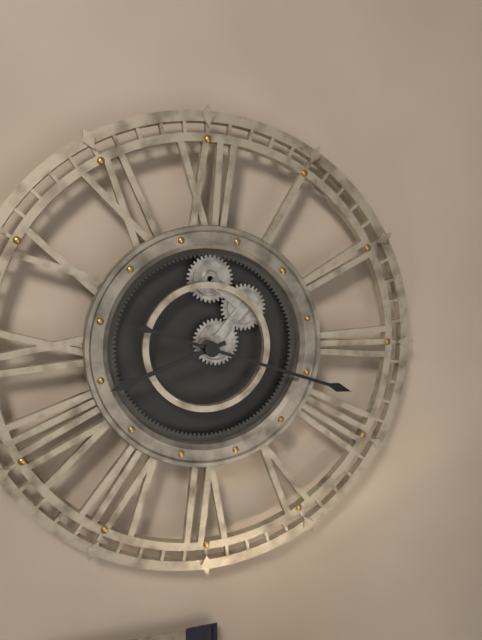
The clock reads 8h18
